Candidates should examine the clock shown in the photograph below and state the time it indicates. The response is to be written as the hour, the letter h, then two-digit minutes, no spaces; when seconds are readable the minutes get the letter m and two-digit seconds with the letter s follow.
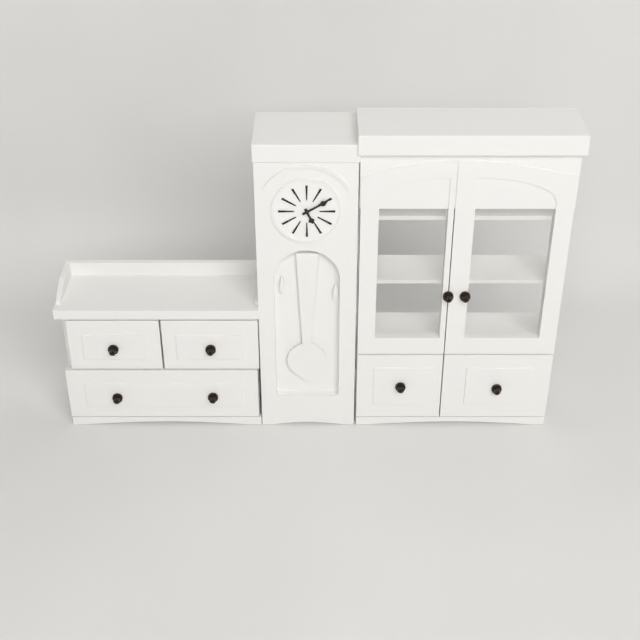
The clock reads 5h10
